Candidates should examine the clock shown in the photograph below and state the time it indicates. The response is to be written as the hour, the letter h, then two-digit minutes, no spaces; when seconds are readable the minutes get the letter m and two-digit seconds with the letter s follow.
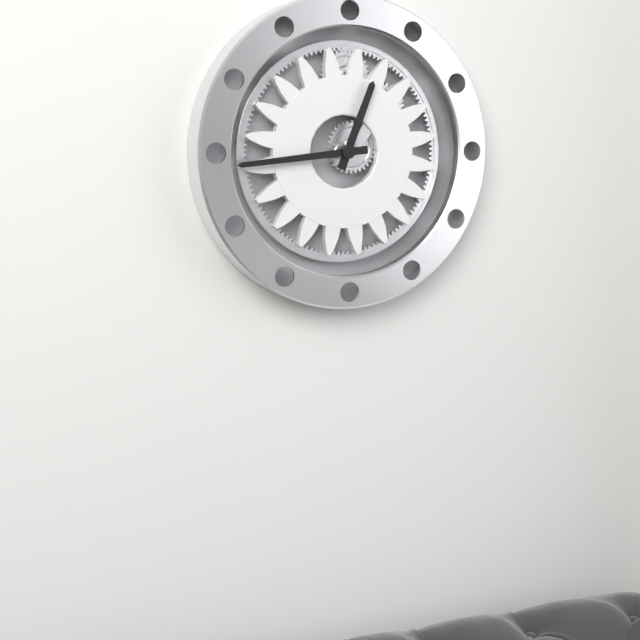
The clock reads 12h44
